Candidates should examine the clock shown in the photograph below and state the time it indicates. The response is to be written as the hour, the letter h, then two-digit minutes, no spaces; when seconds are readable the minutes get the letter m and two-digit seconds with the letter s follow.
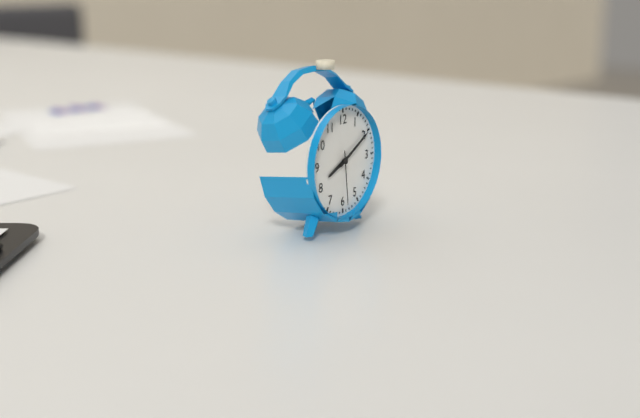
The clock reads 8h10m29s
